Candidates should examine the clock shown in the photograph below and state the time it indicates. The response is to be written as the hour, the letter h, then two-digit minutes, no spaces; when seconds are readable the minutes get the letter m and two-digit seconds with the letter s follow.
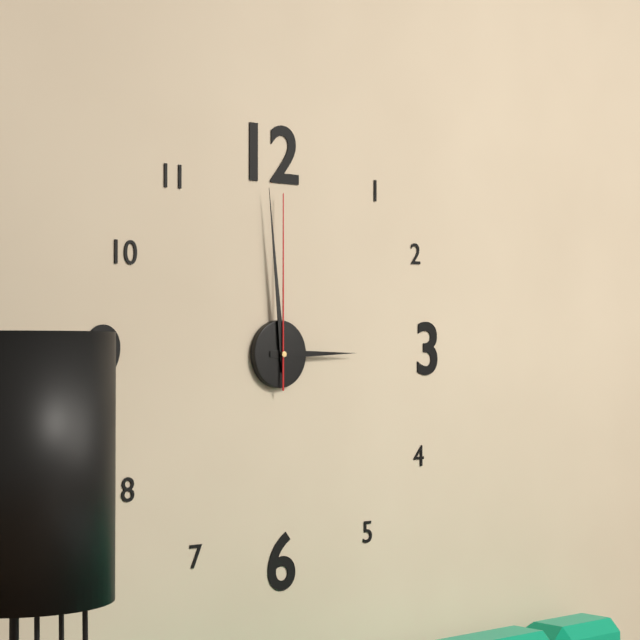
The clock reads 2h59m00s
